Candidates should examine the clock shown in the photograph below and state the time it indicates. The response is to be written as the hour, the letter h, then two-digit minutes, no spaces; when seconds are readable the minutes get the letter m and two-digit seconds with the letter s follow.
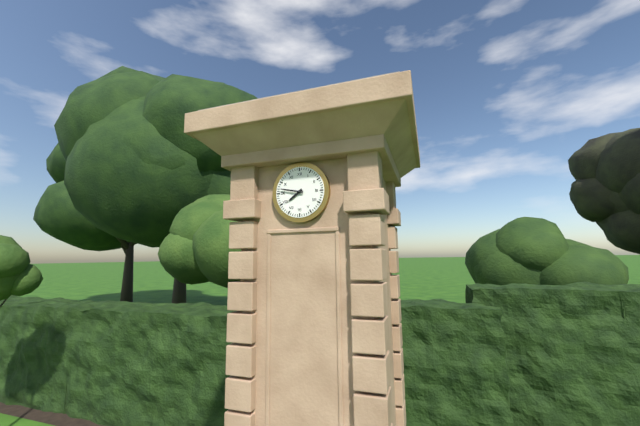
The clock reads 7h47
